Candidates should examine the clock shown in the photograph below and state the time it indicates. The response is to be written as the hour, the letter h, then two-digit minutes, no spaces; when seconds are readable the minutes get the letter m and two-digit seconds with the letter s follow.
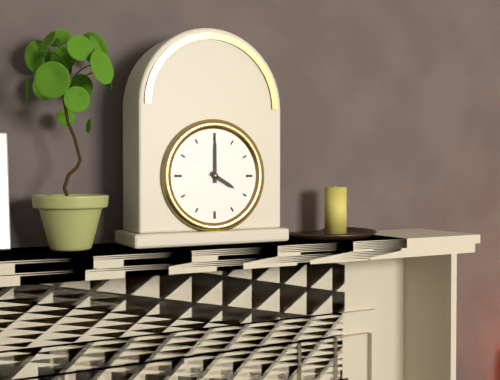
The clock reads 4h00
